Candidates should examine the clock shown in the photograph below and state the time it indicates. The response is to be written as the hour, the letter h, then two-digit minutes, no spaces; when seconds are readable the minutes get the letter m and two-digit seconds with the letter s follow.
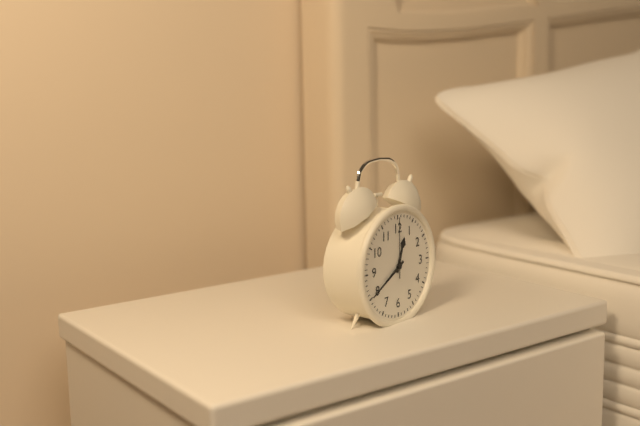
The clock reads 12h40m00s
